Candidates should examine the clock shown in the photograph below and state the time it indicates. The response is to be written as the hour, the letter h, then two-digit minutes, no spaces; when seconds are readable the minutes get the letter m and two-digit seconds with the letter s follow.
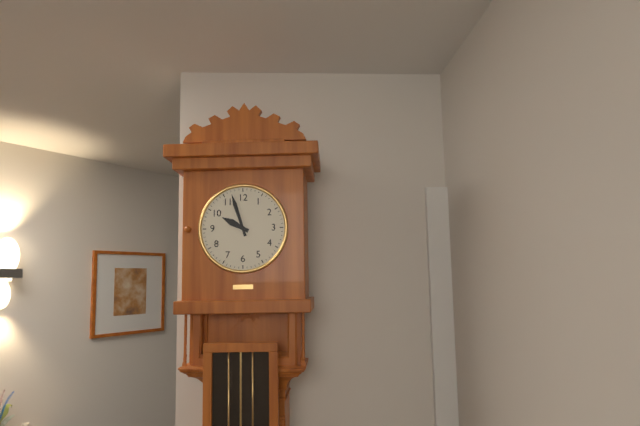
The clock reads 9h57
